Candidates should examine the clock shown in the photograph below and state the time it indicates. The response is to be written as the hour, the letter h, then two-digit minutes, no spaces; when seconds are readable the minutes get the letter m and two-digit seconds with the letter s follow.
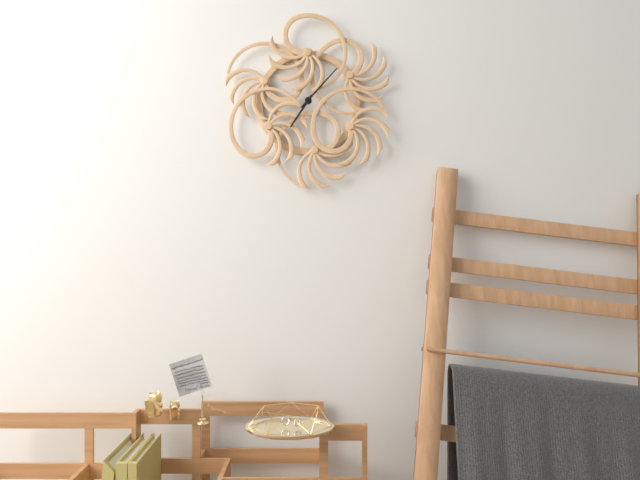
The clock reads 7h07
